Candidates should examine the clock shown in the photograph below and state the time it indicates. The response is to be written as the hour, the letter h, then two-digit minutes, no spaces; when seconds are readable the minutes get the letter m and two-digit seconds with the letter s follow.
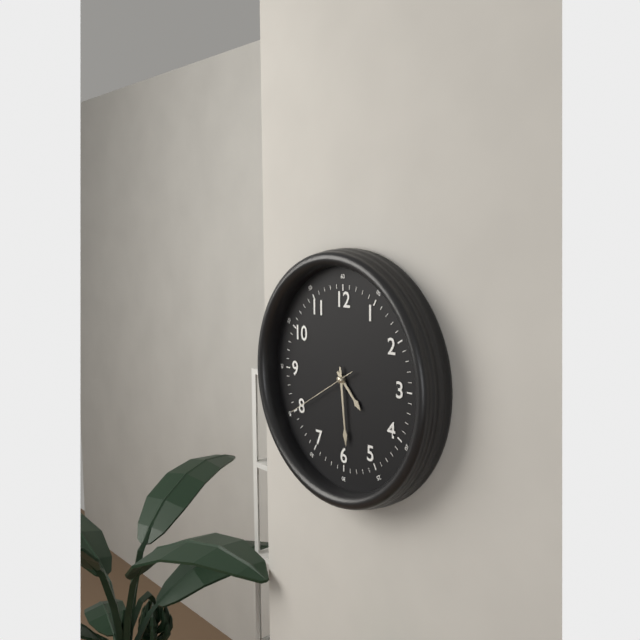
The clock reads 4h29m40s
